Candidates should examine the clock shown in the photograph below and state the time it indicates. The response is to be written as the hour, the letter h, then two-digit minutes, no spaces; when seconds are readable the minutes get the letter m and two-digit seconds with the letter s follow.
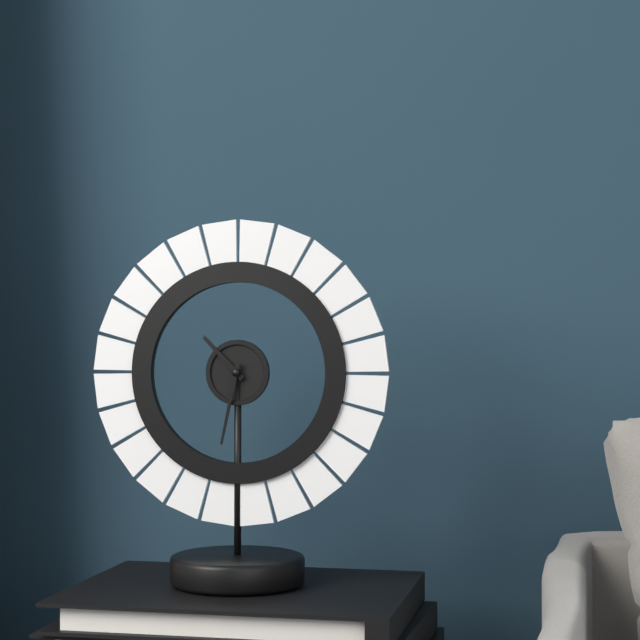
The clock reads 10h32
